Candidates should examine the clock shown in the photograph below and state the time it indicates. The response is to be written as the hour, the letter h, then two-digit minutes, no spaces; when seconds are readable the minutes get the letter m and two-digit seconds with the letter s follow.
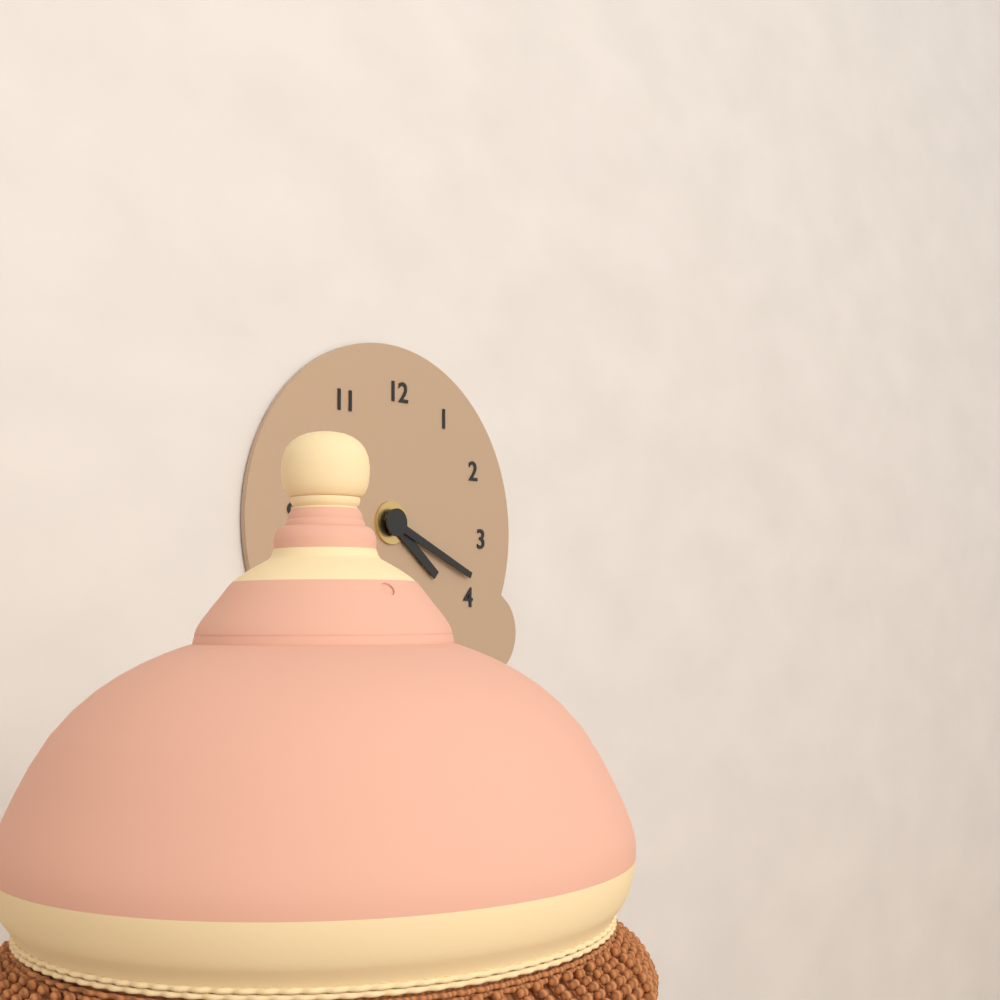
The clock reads 4h19
